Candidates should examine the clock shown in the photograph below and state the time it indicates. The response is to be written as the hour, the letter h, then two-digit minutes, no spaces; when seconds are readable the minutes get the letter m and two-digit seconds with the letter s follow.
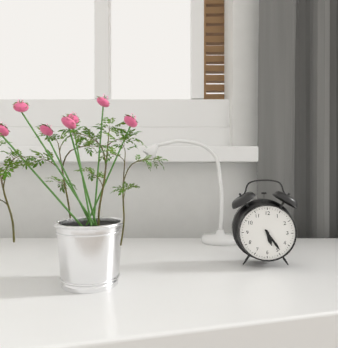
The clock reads 5h24
